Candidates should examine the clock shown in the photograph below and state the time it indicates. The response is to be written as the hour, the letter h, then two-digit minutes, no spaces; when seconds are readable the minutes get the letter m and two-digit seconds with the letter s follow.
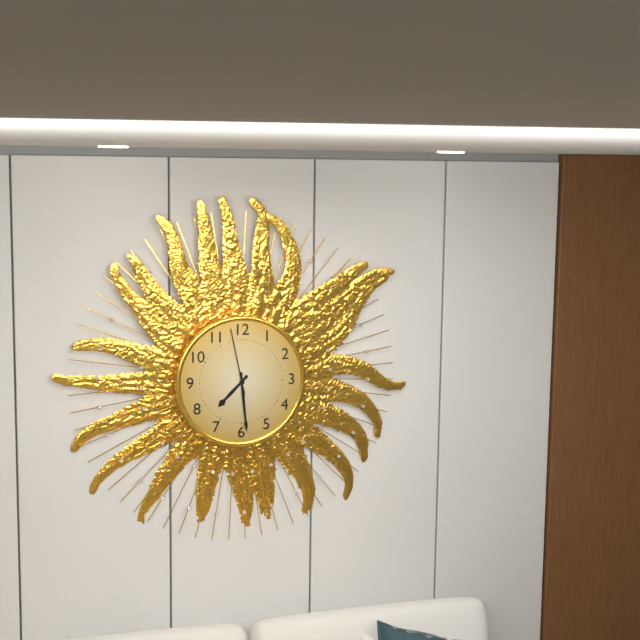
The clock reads 7h29m58s
